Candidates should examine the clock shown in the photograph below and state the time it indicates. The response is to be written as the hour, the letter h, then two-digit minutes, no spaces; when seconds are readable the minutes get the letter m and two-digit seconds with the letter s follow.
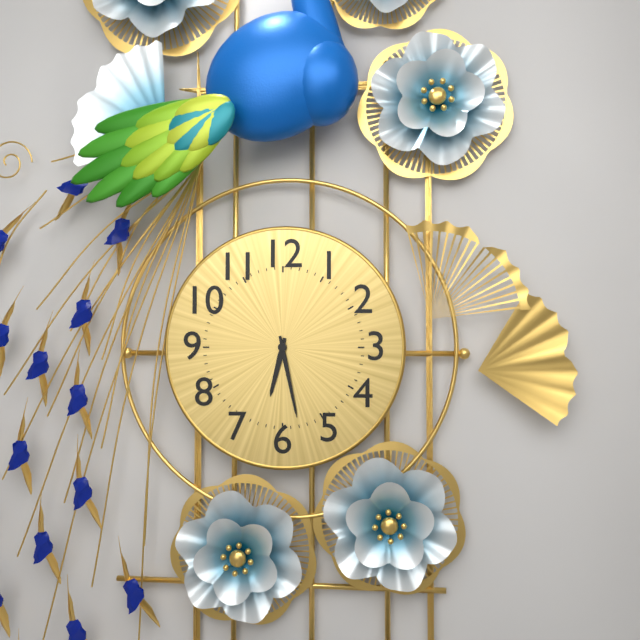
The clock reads 6h28
